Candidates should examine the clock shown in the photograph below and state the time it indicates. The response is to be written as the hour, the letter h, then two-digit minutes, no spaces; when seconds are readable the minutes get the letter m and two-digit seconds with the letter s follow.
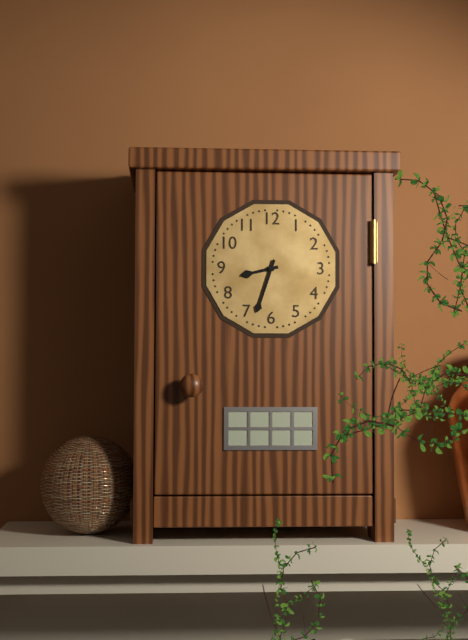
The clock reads 8h33
